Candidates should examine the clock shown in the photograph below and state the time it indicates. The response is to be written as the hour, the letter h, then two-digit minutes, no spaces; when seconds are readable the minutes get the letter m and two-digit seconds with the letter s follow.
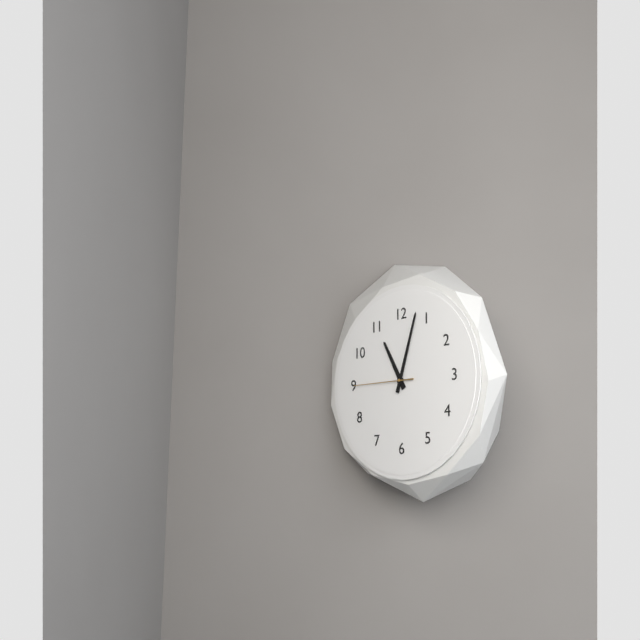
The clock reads 11h03m45s
